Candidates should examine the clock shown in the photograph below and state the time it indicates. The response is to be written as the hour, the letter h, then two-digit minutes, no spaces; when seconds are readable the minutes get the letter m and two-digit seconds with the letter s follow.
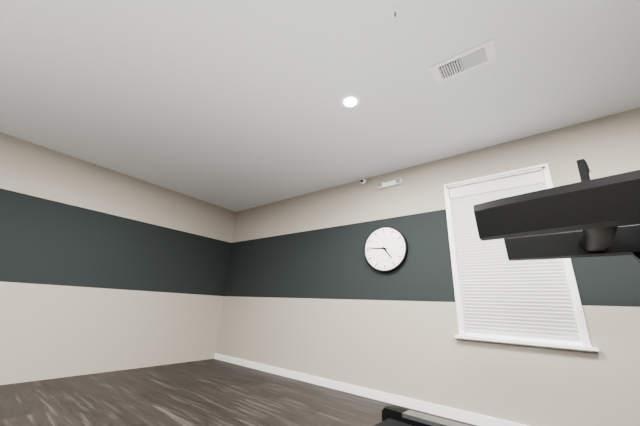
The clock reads 4h46
